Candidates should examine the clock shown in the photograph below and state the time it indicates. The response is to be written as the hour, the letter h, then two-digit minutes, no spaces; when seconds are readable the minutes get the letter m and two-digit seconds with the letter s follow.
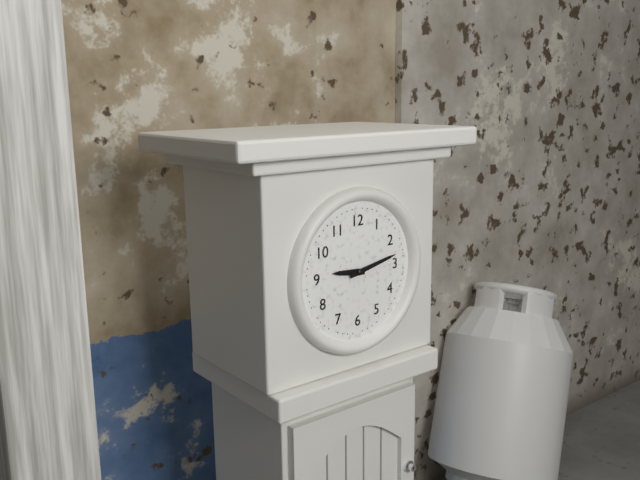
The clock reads 9h13
